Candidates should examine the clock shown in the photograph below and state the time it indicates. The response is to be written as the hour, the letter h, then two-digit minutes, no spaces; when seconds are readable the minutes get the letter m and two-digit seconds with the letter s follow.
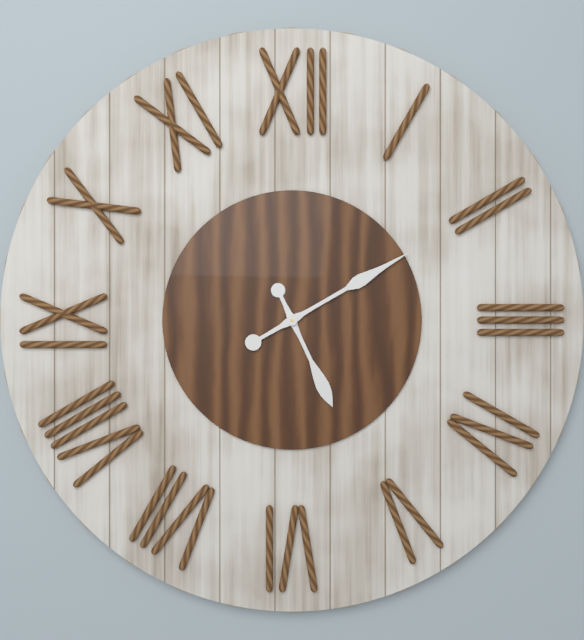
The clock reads 5h10
